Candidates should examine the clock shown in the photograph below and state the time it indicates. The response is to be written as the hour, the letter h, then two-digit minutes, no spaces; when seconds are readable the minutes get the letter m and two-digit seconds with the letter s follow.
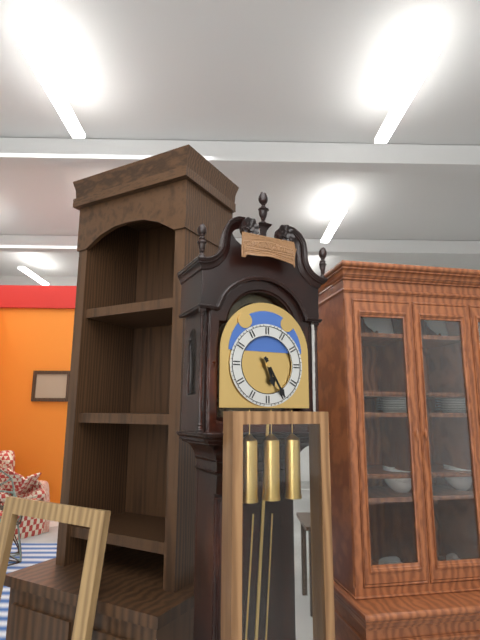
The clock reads 5h25
